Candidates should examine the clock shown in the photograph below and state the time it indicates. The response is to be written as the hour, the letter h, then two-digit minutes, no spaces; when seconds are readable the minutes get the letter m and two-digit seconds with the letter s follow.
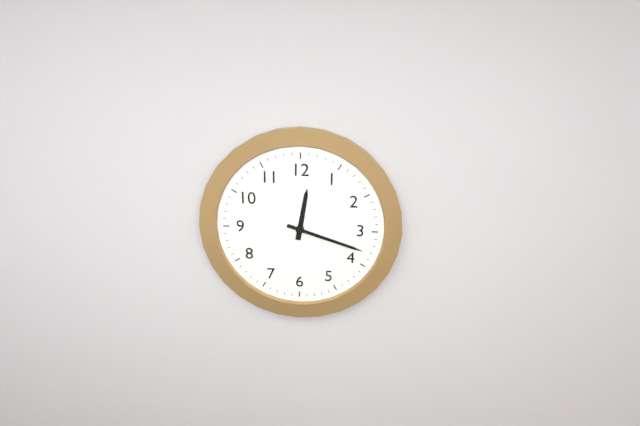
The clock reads 12h18
